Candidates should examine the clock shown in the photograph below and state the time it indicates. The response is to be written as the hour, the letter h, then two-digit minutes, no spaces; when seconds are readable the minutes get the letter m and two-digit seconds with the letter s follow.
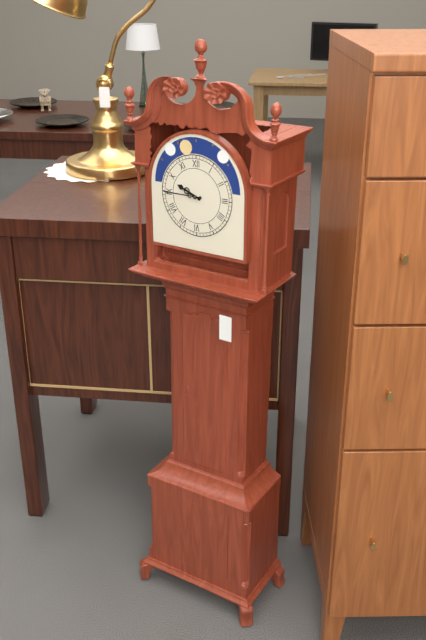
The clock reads 9h45
